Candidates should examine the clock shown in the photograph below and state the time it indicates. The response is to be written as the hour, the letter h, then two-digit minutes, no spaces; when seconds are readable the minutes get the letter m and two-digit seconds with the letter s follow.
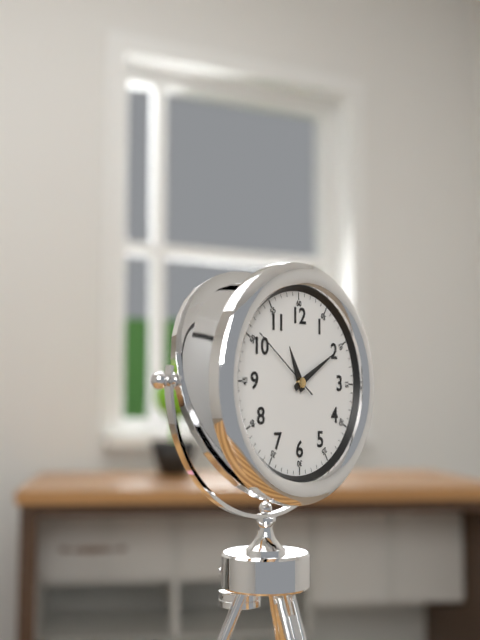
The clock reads 11h10m51s
